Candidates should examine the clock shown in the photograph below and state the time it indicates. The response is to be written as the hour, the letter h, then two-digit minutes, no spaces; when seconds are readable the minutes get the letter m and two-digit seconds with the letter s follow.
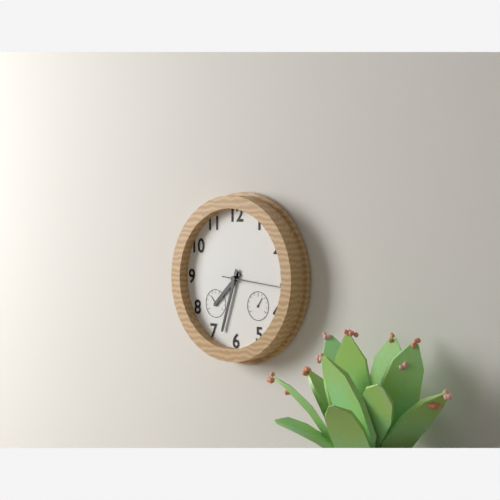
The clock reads 7h33m16s
